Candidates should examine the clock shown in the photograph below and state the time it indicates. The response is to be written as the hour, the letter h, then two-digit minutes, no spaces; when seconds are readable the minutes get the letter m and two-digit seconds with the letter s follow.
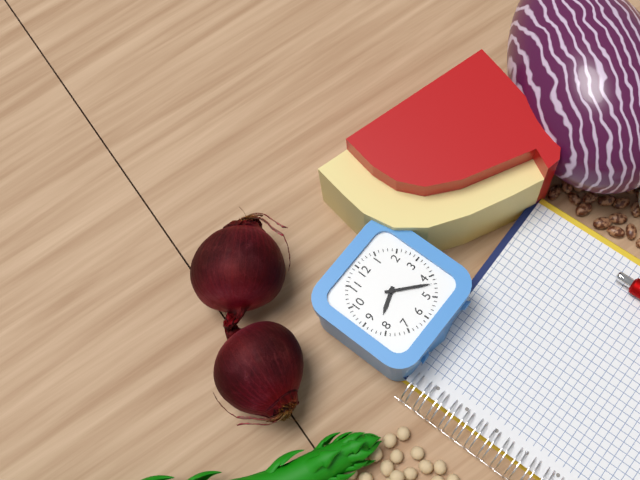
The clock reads 8h22
